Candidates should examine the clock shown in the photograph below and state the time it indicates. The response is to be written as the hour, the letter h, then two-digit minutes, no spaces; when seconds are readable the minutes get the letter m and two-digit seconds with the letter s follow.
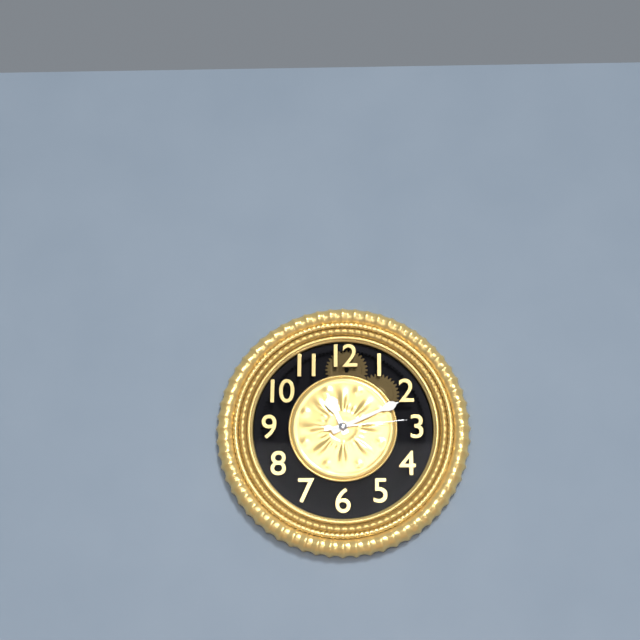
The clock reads 11h11m14s
